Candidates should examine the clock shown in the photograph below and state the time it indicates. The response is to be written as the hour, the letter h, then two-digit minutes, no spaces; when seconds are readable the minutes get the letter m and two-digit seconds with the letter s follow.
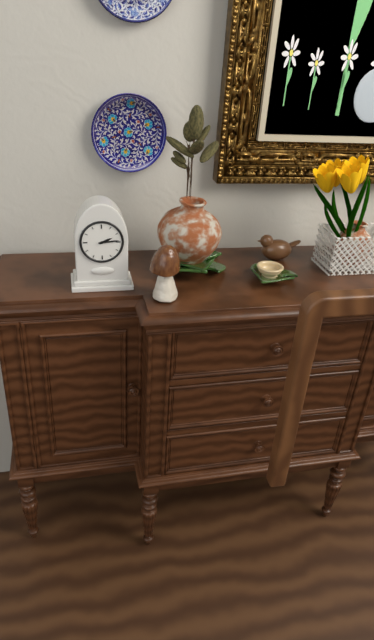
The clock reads 2h14
